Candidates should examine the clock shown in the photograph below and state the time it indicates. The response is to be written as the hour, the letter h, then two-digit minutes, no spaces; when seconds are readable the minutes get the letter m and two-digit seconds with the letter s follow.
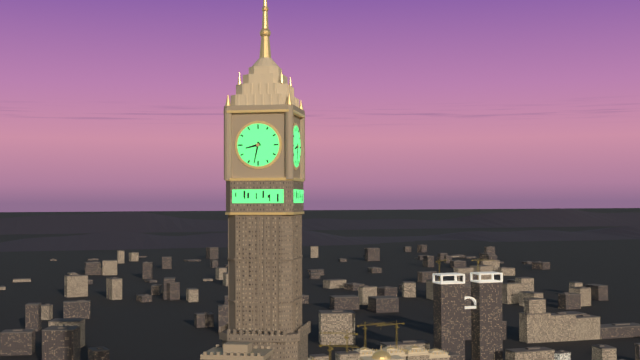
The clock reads 8h32
